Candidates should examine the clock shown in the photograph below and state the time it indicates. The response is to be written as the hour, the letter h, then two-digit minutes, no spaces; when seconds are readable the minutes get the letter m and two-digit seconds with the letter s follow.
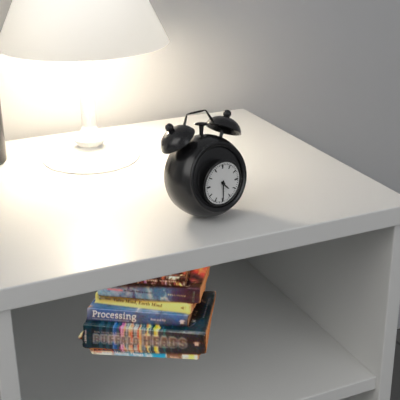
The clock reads 4h30
